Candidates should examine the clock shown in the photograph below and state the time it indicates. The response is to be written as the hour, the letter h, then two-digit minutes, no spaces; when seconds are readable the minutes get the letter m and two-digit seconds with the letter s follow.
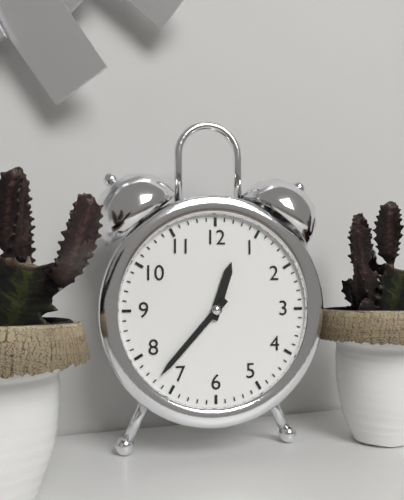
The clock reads 12h37
